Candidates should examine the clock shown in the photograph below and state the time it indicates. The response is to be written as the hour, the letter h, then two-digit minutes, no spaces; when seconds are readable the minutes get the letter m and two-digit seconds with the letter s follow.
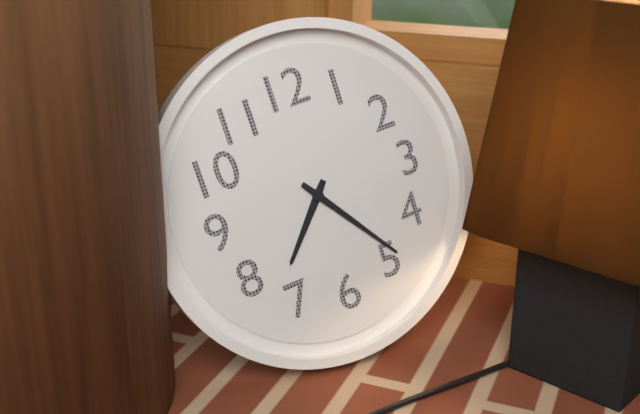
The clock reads 7h24
